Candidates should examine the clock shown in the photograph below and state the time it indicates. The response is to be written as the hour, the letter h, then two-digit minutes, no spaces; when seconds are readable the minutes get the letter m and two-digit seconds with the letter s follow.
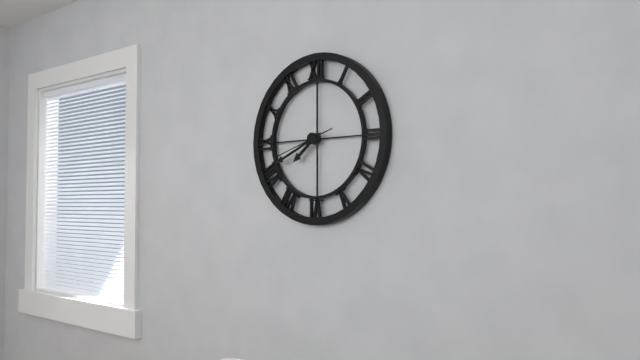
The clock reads 7h41m42s
